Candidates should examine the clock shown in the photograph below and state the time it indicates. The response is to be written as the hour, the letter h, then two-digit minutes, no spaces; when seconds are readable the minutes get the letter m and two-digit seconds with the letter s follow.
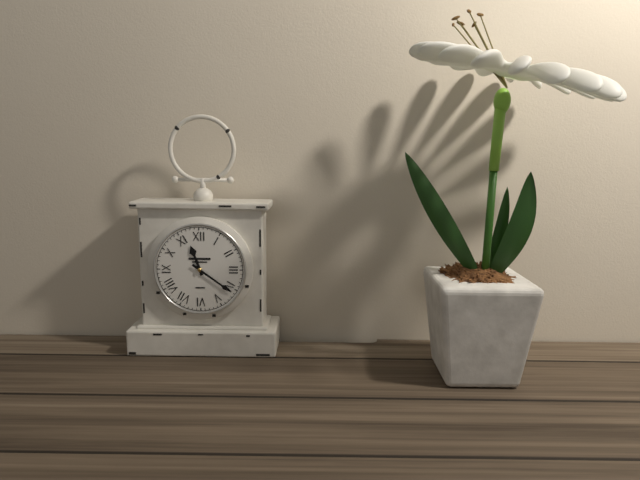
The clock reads 11h21
